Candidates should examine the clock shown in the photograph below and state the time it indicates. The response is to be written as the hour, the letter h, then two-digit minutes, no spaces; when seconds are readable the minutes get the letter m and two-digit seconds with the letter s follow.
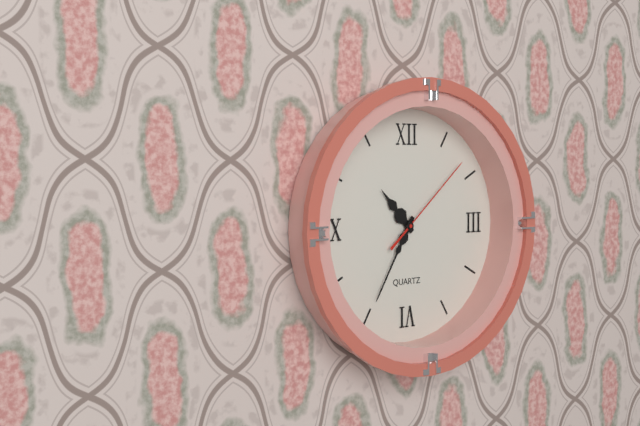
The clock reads 10h35m08s
